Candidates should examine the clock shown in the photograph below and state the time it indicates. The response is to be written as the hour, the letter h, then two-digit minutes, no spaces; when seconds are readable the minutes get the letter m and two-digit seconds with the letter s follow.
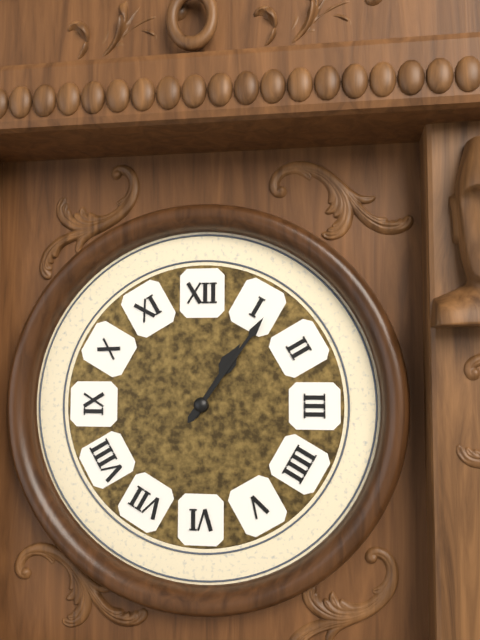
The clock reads 1h06
